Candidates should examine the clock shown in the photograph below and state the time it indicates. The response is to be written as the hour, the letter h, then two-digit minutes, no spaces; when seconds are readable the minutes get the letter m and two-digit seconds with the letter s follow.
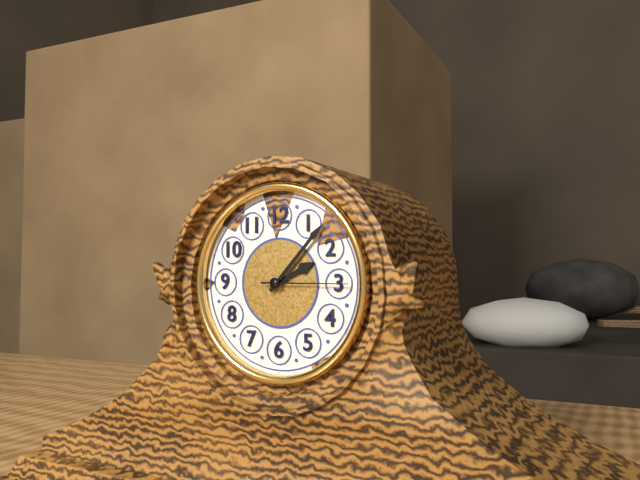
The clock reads 2h07m15s
